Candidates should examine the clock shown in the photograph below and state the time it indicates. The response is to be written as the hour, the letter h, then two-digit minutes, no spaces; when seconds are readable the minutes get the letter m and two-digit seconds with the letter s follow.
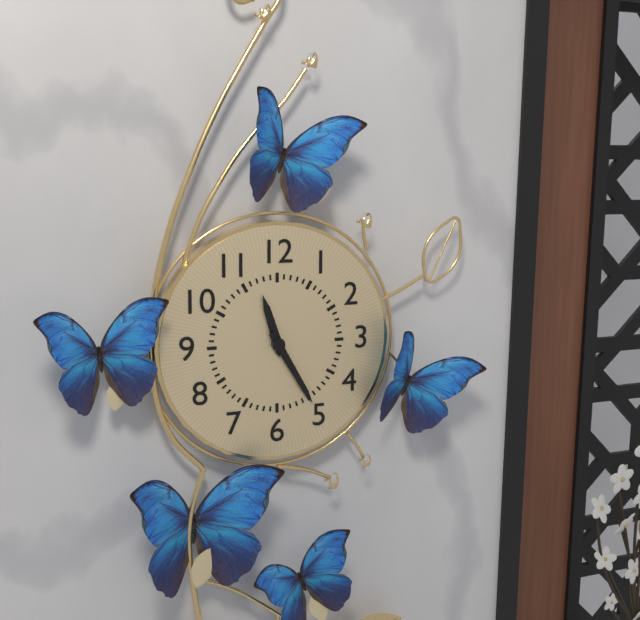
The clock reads 11h25
